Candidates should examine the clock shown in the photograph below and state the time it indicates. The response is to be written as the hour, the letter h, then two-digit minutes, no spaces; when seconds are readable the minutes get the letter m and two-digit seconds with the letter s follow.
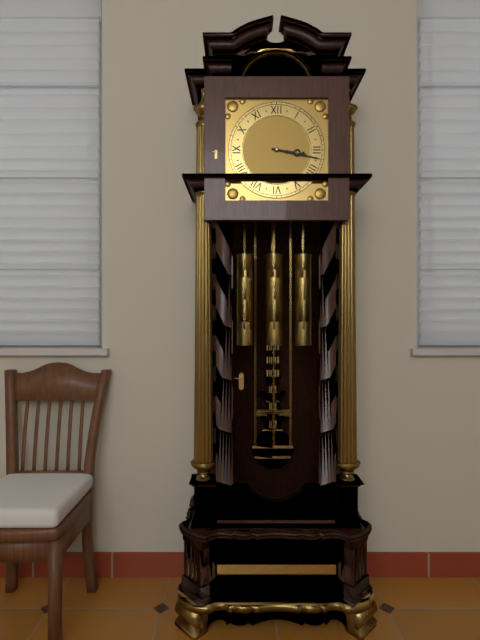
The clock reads 3h17
